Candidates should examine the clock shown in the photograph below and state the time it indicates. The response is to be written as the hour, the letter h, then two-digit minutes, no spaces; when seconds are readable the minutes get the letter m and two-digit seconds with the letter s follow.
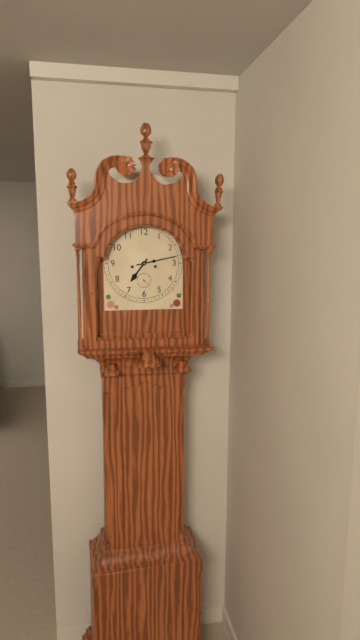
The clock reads 7h13
